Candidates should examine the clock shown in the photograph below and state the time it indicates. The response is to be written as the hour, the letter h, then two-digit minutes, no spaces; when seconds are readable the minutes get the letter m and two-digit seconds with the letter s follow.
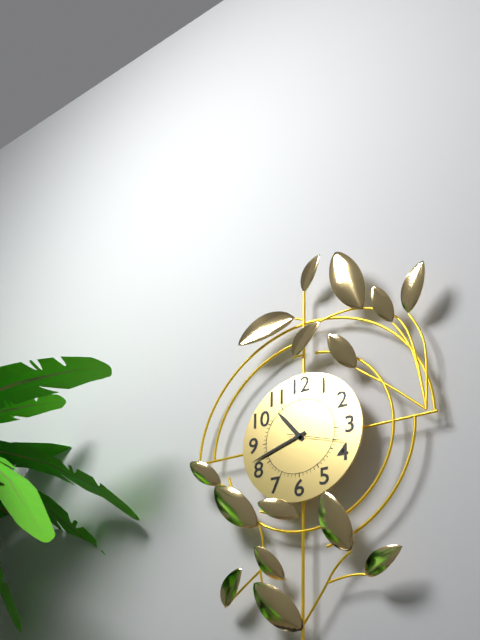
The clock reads 10h42m18s
